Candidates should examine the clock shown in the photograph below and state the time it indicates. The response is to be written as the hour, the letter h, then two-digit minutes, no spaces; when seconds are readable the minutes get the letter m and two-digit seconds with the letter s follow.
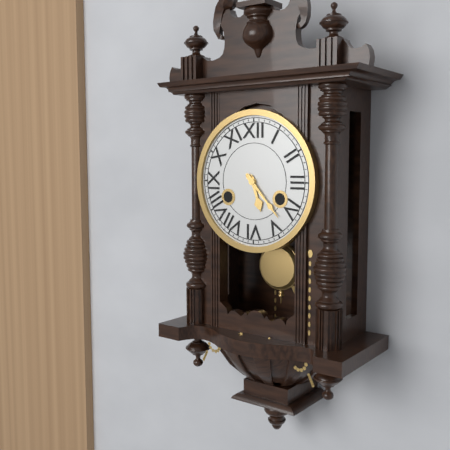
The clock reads 5h23
